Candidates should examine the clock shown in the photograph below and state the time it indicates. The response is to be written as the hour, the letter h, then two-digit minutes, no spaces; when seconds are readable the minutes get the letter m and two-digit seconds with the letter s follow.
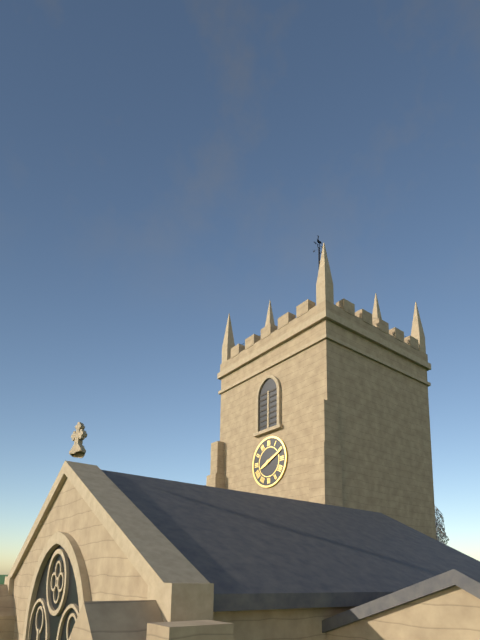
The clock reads 8h11
